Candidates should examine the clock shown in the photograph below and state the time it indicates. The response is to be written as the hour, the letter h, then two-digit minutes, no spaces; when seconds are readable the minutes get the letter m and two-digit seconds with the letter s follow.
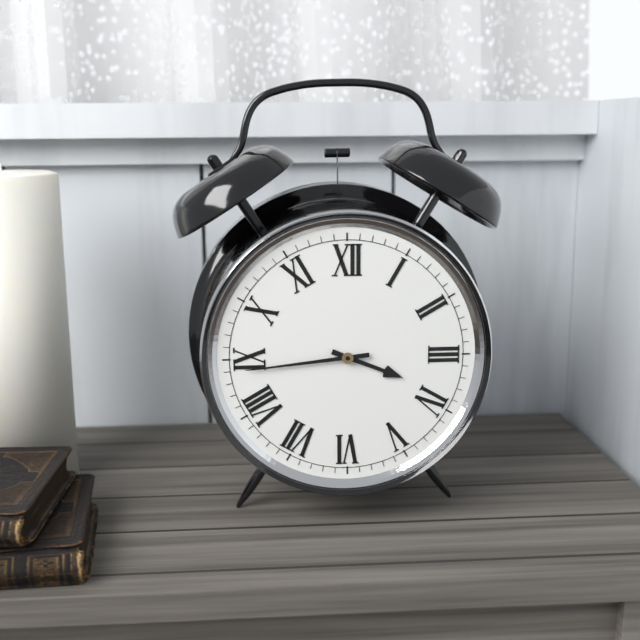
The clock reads 3h44
